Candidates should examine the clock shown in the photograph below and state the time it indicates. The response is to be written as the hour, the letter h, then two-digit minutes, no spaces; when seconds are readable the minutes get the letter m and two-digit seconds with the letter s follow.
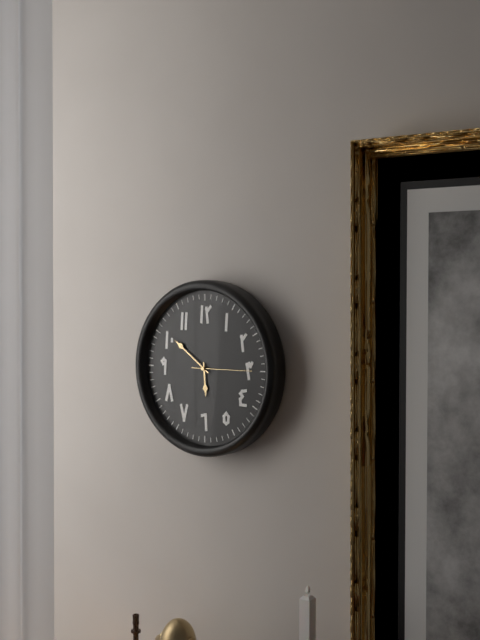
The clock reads 5h51
